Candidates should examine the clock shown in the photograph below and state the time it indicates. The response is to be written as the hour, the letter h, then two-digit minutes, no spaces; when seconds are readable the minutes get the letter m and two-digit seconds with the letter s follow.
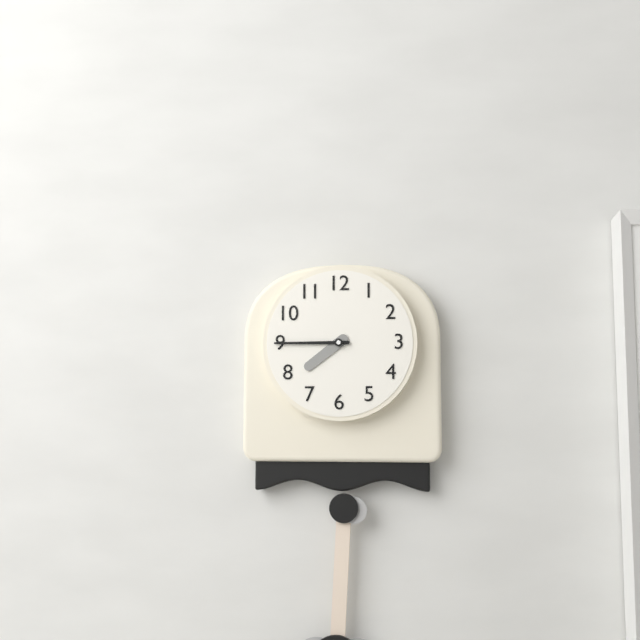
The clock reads 7h45
